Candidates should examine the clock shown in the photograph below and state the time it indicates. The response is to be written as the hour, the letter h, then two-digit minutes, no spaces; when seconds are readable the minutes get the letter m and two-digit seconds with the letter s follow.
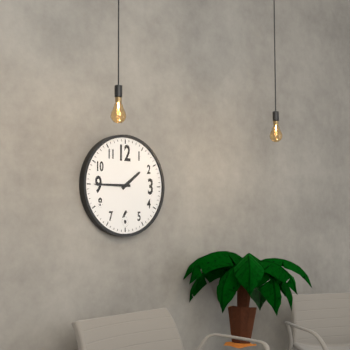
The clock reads 1h45
